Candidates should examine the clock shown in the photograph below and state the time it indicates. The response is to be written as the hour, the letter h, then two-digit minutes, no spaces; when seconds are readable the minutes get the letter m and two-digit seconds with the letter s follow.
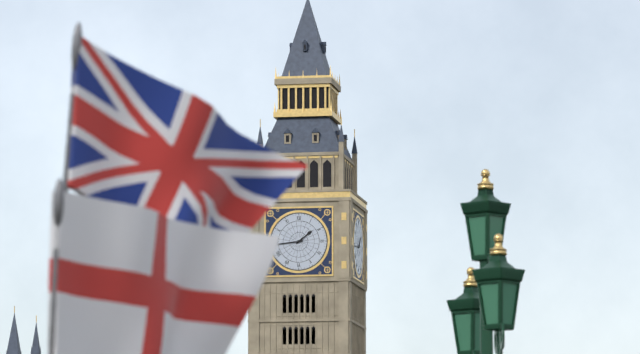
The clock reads 1h44
